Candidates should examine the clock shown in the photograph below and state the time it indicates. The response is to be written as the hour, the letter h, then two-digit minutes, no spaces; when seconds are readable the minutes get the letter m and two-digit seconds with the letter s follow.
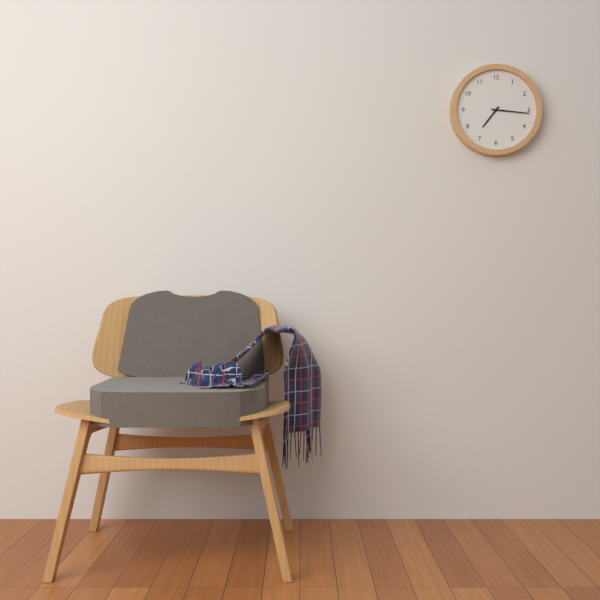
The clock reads 7h16
